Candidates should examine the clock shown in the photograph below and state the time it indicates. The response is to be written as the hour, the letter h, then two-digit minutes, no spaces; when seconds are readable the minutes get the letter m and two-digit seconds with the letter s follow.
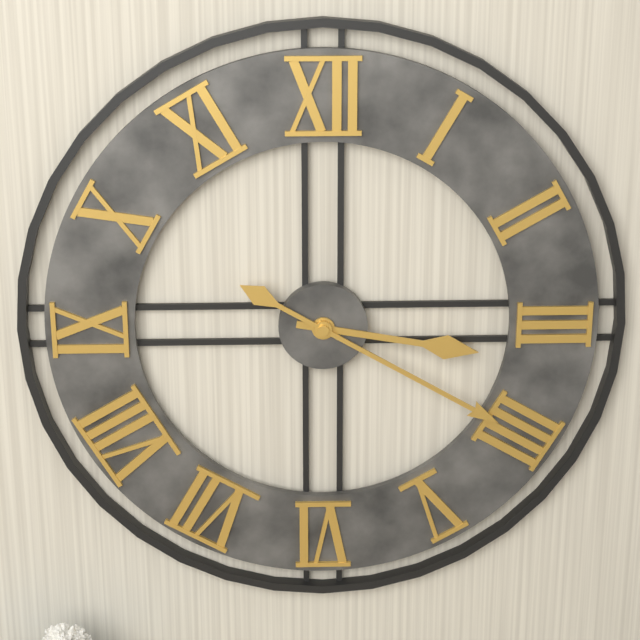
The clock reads 3h20
